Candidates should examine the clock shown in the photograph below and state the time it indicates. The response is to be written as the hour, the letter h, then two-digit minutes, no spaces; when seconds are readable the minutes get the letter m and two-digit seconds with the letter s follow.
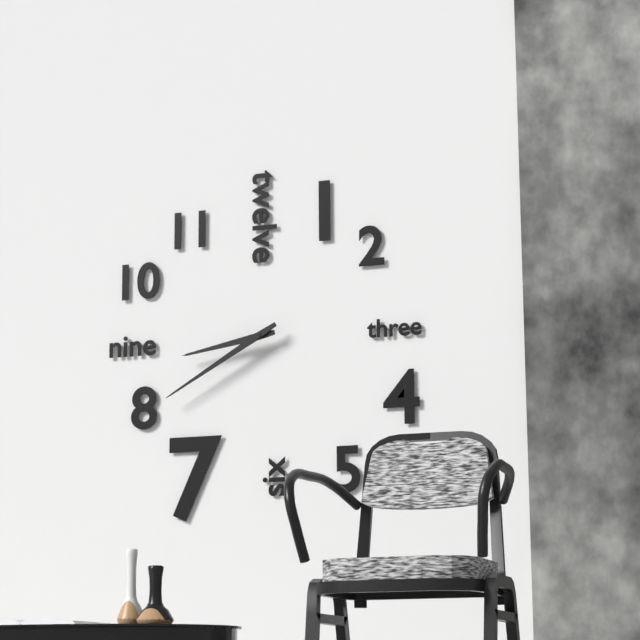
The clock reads 8h40
